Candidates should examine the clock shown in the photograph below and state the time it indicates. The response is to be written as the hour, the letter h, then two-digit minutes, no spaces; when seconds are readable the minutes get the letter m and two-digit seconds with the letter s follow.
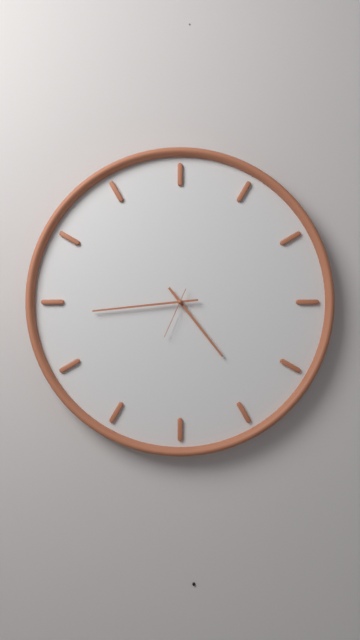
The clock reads 4h44
